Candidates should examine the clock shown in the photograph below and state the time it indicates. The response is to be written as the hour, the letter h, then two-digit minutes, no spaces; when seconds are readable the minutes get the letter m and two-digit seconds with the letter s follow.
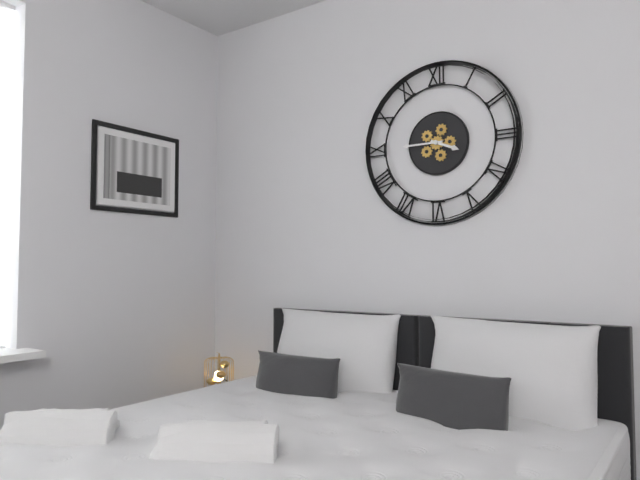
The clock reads 3h45
